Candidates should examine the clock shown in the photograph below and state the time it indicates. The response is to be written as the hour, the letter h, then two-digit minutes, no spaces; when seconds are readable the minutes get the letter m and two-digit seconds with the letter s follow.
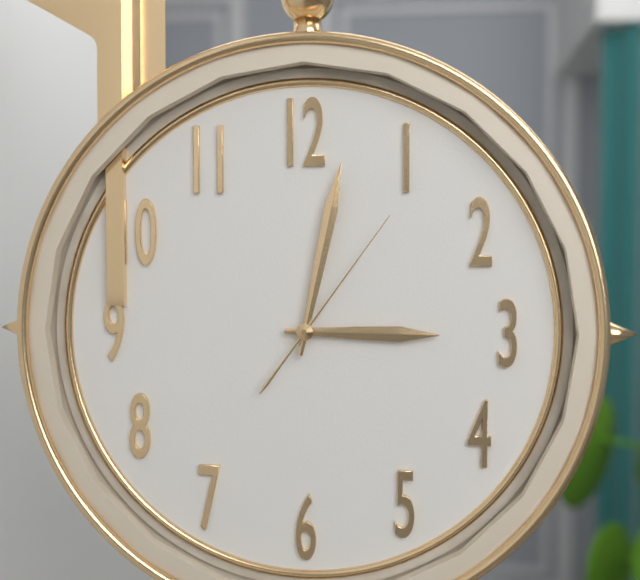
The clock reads 3h02m06s
